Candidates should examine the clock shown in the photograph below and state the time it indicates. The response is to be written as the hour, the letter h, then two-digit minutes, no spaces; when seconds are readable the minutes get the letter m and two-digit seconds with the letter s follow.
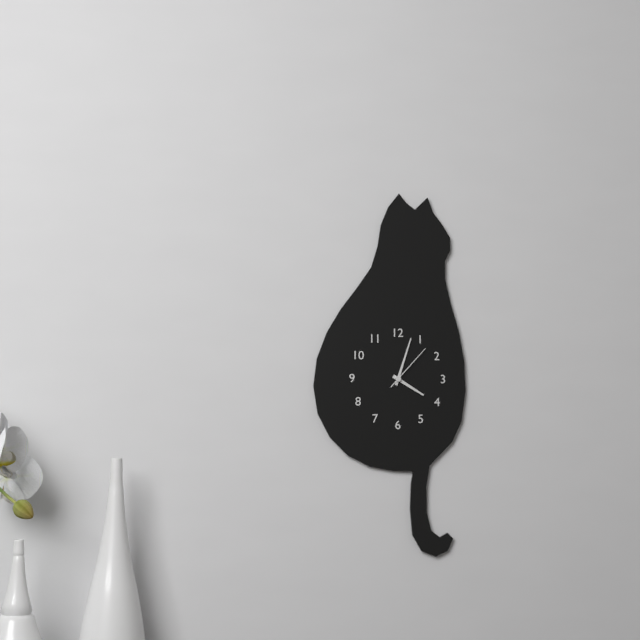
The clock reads 4h03m07s
